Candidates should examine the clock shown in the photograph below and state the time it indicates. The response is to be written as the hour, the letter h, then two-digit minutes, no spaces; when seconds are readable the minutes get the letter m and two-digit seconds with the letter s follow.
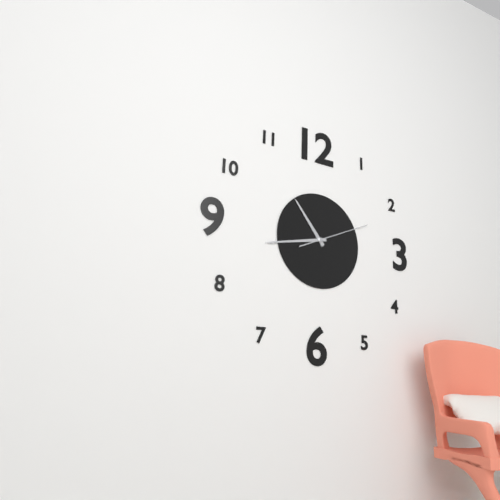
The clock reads 10h43m11s
